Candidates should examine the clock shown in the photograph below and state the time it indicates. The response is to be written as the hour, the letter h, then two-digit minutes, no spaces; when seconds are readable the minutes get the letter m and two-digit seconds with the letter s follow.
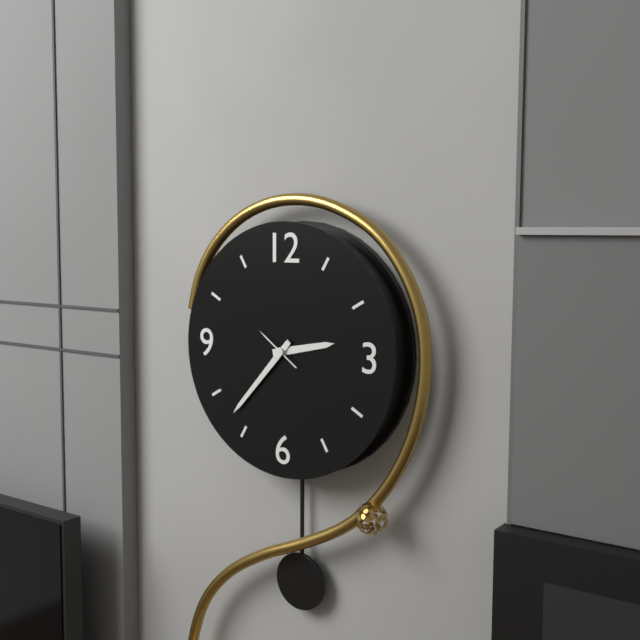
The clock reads 2h37
